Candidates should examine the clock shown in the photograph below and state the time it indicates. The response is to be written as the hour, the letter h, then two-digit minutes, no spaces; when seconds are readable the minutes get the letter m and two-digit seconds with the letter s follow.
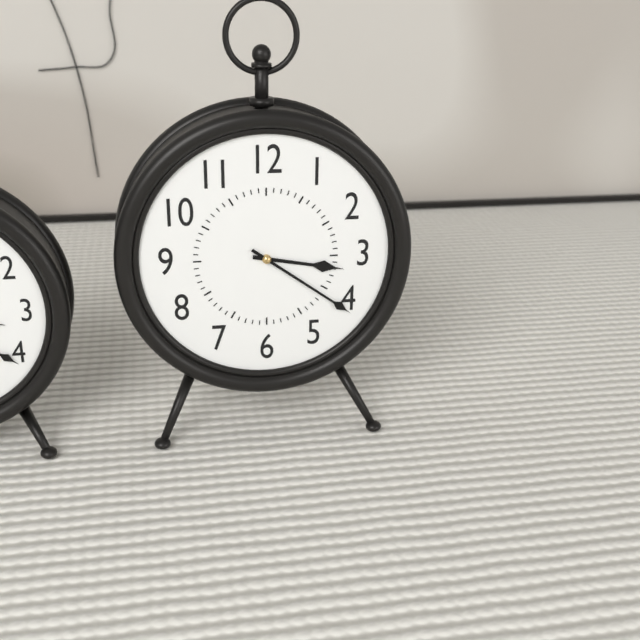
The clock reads 3h21
